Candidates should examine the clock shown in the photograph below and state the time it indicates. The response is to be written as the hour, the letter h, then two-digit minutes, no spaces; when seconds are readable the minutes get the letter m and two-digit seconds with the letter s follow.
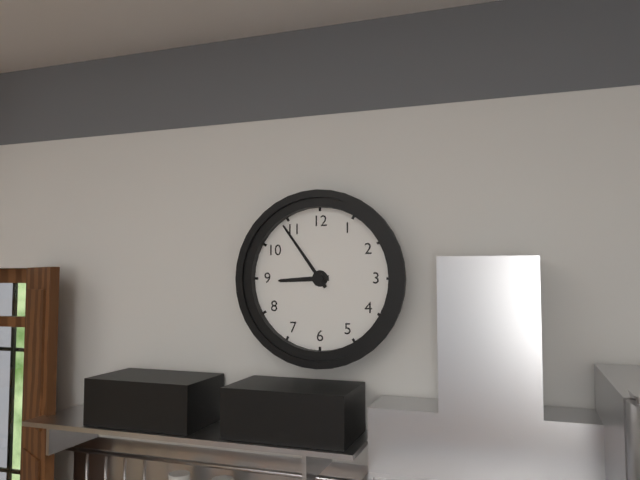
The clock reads 8h54
